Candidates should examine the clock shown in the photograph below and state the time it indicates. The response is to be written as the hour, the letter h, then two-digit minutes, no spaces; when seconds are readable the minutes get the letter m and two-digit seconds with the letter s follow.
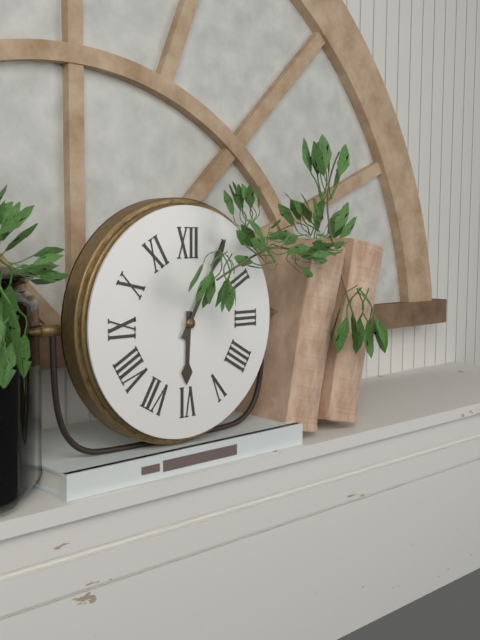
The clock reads 6h05
